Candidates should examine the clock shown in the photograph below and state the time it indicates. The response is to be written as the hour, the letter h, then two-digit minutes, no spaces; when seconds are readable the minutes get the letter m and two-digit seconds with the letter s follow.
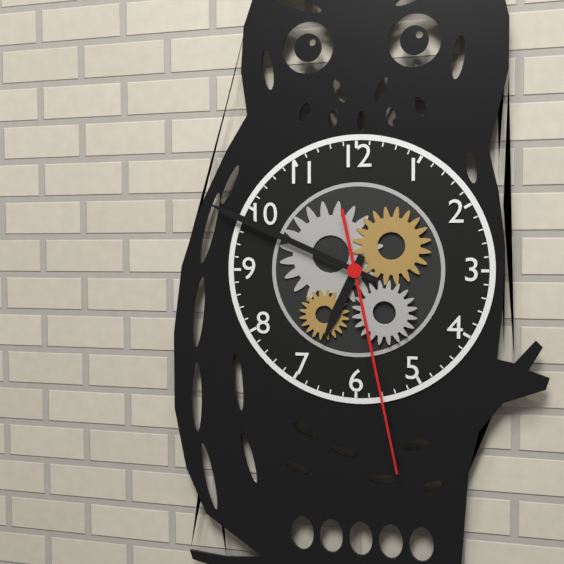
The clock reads 6h49m28s
